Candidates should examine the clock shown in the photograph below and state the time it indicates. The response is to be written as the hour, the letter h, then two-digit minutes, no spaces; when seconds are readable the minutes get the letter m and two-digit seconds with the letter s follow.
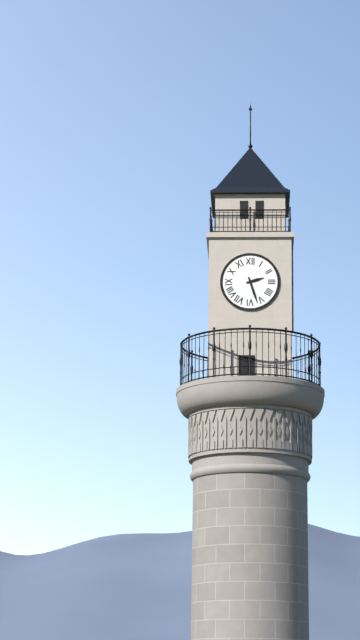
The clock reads 2h27
